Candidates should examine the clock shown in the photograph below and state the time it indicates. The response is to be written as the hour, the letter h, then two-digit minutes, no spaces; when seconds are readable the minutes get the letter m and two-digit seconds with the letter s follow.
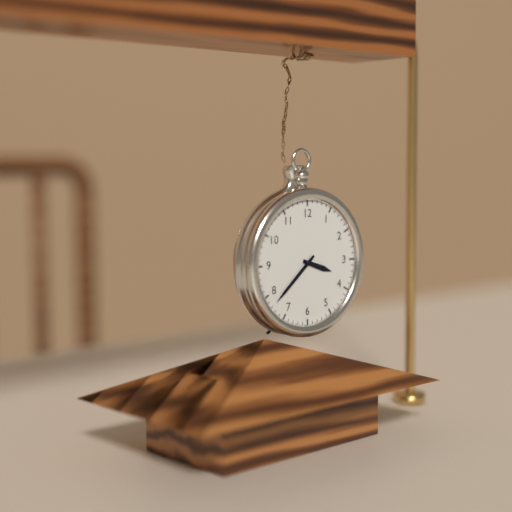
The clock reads 3h38
